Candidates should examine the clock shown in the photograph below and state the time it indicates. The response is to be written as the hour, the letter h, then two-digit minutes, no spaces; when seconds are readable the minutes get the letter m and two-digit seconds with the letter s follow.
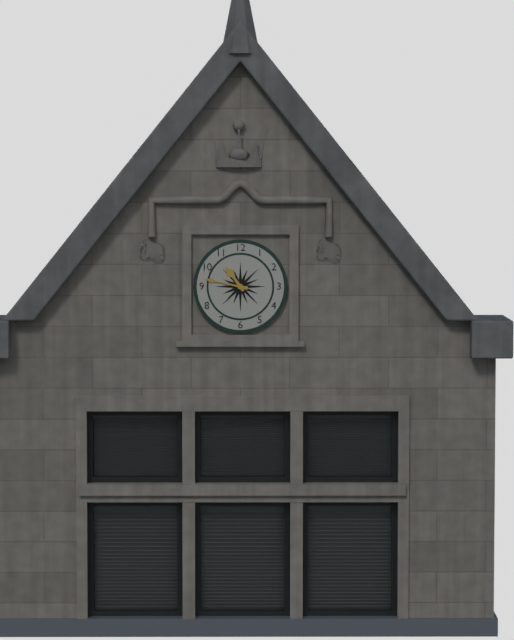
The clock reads 10h47
